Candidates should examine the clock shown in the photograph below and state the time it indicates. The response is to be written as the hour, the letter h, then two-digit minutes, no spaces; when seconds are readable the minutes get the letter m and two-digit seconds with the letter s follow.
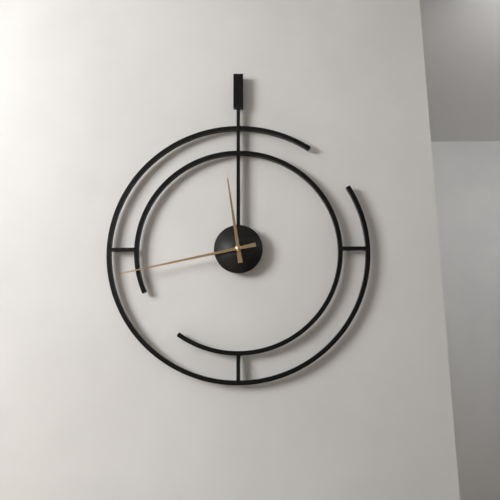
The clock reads 11h43
